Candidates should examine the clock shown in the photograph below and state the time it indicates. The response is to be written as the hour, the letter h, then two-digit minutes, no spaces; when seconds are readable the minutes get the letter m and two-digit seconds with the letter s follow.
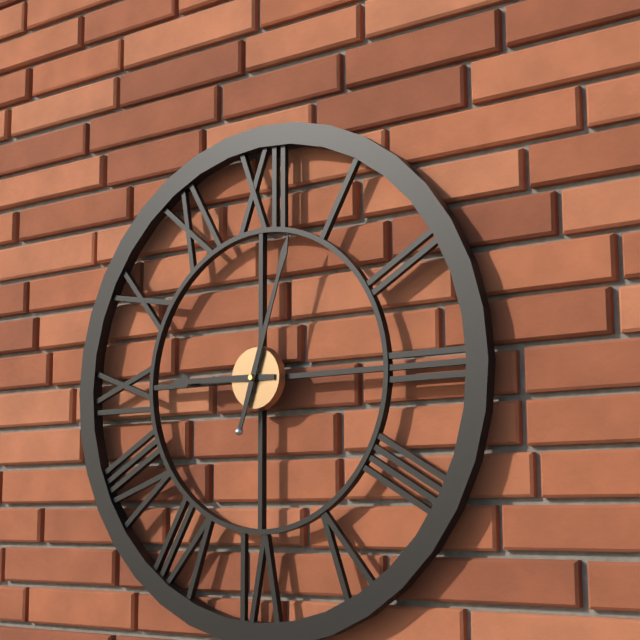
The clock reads 9h03
